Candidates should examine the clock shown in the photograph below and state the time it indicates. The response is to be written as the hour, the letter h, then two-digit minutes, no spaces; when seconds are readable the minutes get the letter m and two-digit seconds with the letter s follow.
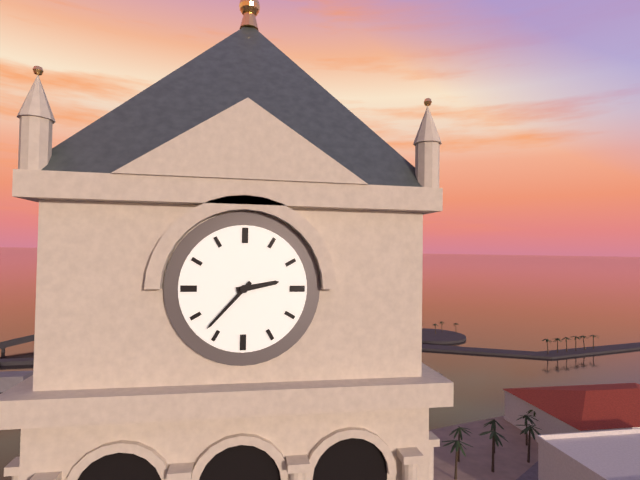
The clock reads 2h37
